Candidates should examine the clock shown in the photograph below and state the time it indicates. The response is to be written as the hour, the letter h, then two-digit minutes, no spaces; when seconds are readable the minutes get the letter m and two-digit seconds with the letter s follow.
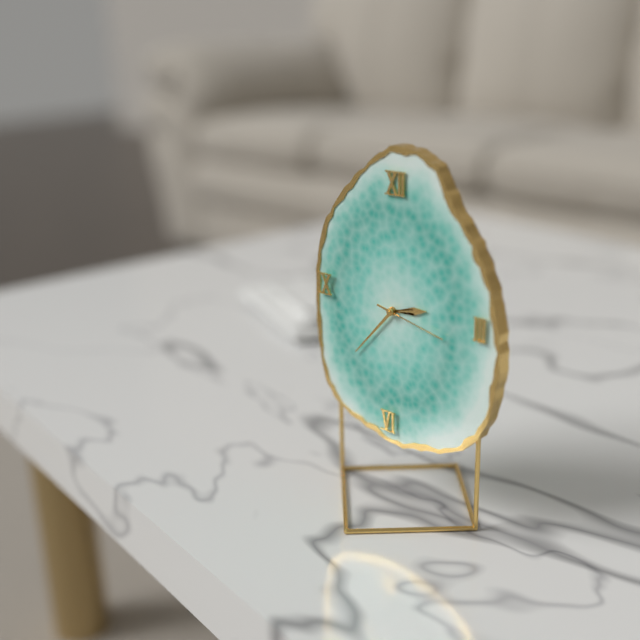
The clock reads 2h37m17s
